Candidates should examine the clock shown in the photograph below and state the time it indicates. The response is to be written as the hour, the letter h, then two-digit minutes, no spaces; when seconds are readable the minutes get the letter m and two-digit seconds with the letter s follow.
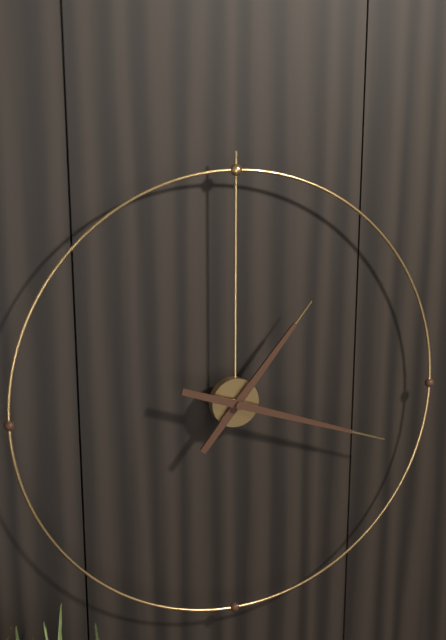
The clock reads 1h18
